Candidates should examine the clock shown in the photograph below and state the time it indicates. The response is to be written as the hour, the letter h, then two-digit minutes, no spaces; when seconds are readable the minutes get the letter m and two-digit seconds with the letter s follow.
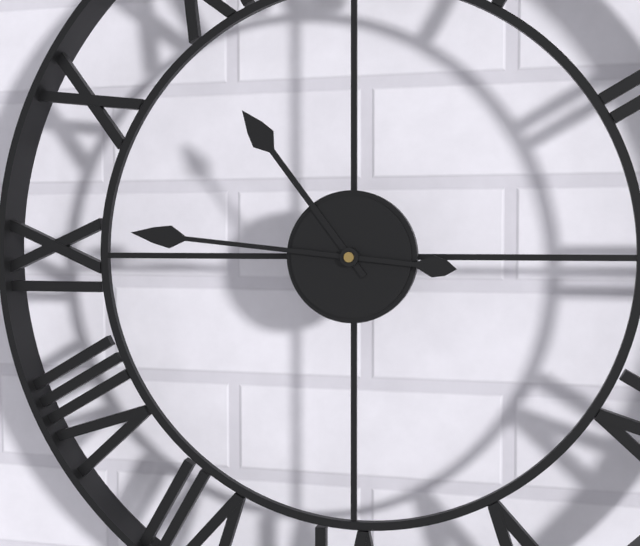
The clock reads 10h46
